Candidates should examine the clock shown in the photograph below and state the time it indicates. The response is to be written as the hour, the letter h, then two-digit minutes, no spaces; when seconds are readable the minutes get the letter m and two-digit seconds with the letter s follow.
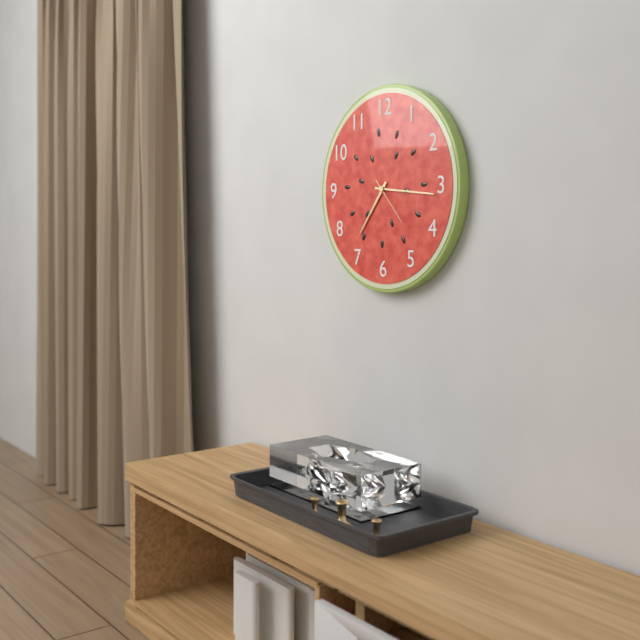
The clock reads 7h16m23s
